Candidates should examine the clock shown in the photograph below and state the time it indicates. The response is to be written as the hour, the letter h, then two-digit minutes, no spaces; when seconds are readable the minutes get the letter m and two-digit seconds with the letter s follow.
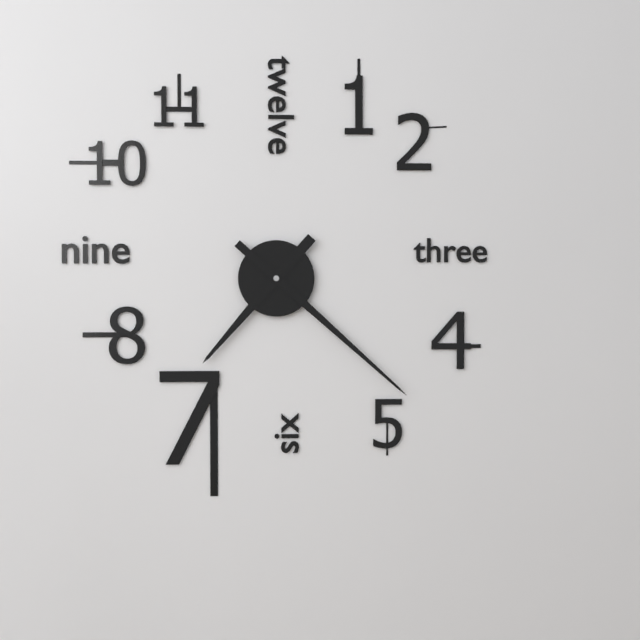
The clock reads 7h22
